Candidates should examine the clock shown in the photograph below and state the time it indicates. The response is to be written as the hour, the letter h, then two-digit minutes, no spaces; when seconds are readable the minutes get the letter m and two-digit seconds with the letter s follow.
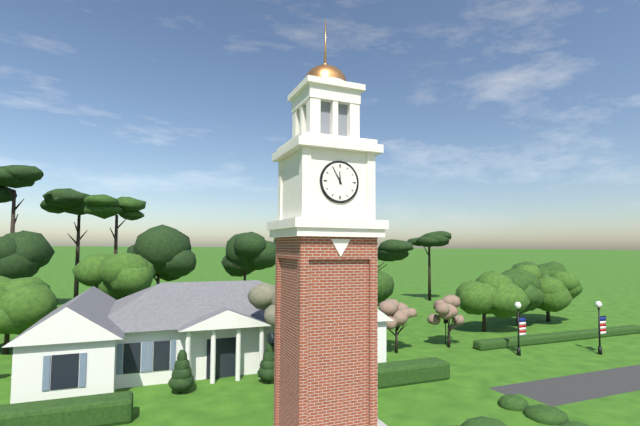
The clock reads 11h55
